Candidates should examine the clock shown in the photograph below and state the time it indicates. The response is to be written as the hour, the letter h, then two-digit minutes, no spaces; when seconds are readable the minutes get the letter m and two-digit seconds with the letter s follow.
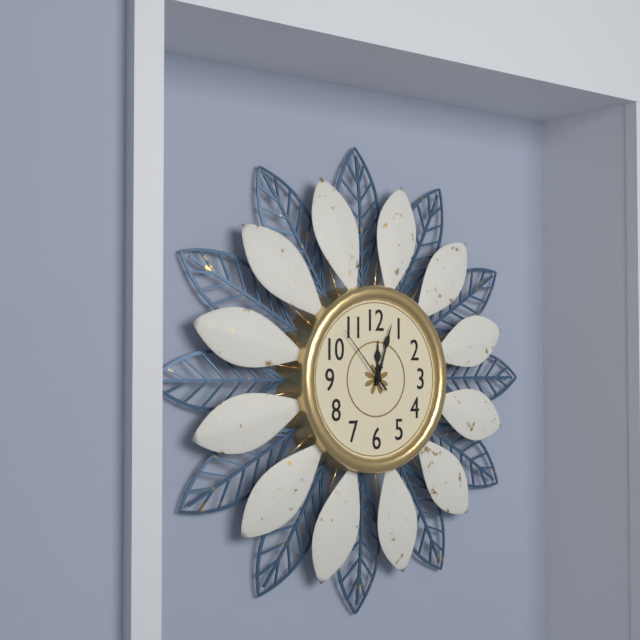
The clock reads 12h03m53s
